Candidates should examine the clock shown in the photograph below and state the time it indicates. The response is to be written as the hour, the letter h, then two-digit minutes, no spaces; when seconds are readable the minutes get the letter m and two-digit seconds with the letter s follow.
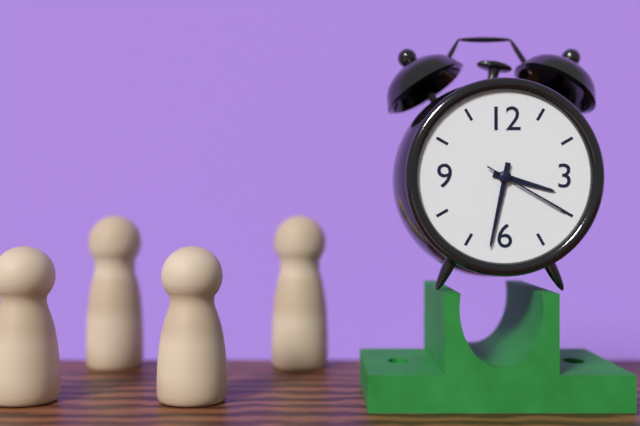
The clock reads 3h32m20s
